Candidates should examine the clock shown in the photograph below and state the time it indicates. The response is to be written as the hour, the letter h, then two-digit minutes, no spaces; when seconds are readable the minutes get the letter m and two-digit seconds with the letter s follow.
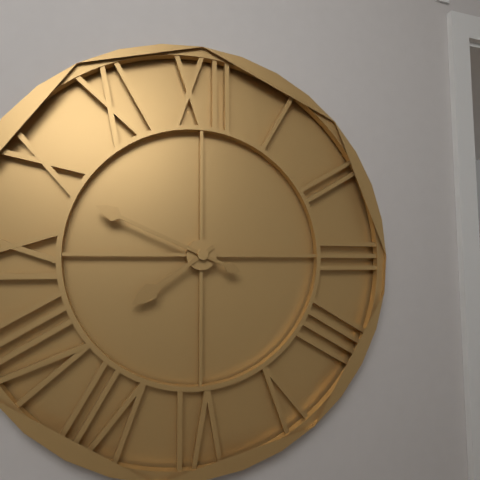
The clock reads 7h49
